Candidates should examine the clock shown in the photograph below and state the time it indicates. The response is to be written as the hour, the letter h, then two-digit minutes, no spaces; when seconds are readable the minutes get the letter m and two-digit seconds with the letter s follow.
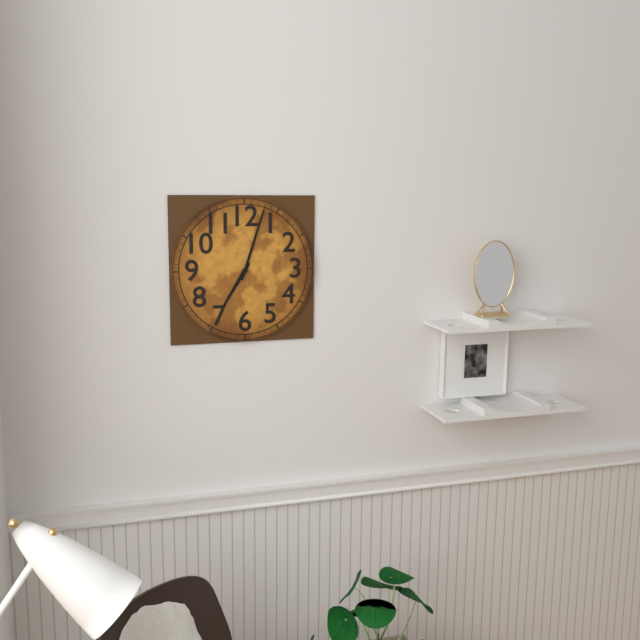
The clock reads 7h03
